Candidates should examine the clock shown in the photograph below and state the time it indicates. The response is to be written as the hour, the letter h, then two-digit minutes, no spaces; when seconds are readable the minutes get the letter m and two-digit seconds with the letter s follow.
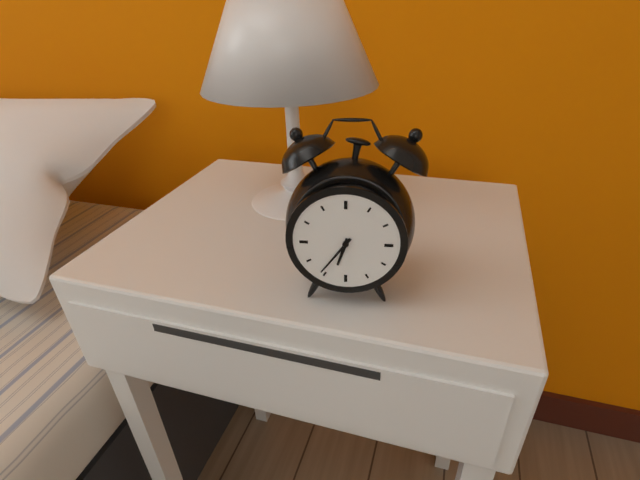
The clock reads 6h36
